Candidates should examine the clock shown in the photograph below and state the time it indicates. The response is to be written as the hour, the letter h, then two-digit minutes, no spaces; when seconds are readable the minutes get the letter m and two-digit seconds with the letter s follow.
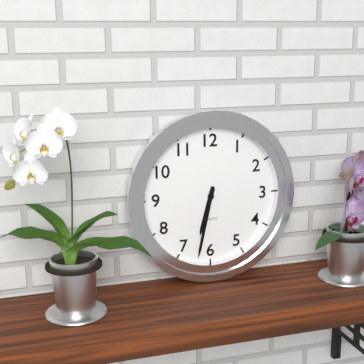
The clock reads 6h32
